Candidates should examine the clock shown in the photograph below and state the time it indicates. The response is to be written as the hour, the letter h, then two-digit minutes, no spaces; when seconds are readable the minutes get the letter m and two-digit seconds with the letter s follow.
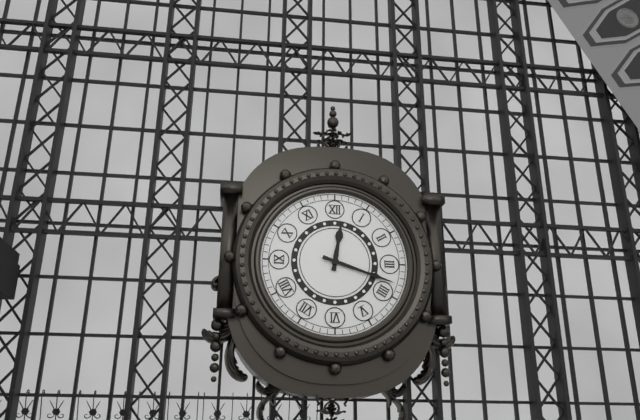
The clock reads 12h18
